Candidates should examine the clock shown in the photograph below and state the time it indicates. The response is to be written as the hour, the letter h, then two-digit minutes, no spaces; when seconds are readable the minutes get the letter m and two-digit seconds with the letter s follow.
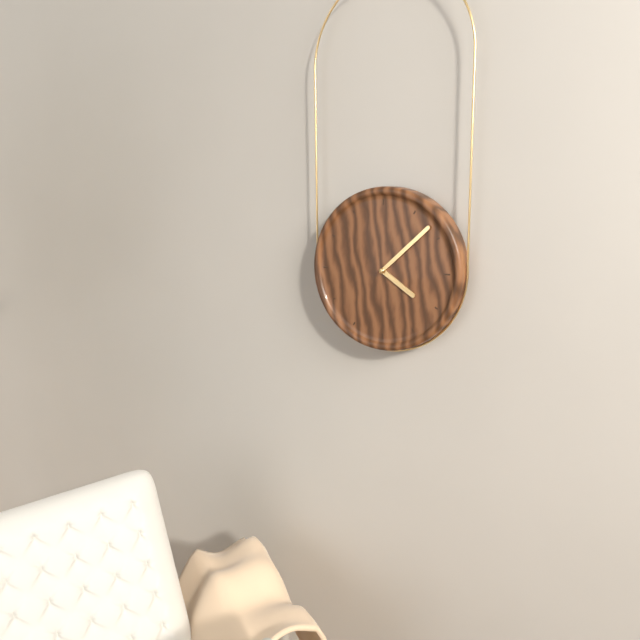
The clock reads 4h08
